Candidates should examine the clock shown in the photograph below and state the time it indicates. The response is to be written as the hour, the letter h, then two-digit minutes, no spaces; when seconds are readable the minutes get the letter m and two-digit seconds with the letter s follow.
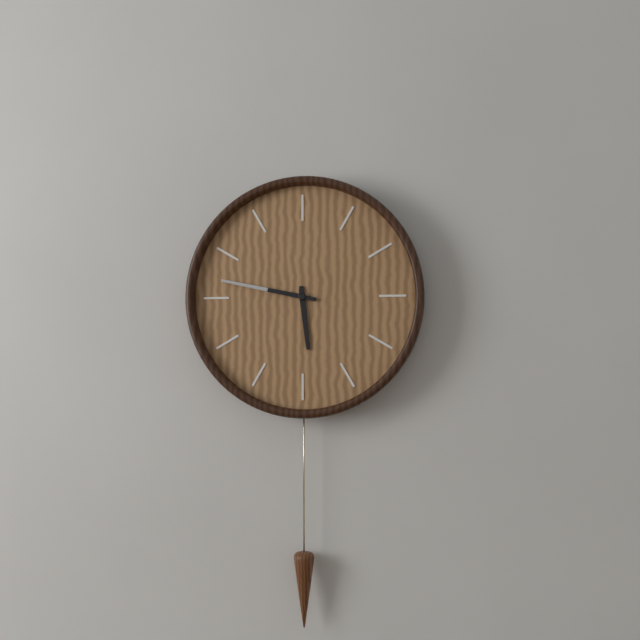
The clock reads 5h47
